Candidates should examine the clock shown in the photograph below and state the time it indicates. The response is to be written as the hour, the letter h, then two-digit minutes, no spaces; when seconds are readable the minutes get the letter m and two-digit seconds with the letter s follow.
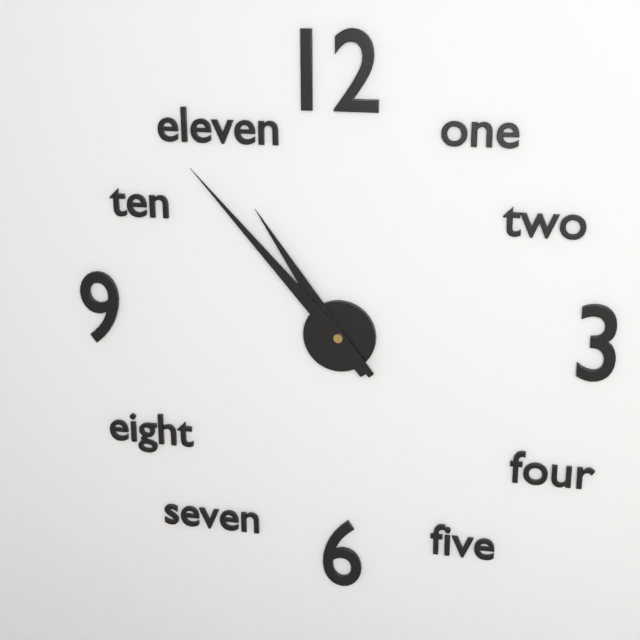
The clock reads 10h53
